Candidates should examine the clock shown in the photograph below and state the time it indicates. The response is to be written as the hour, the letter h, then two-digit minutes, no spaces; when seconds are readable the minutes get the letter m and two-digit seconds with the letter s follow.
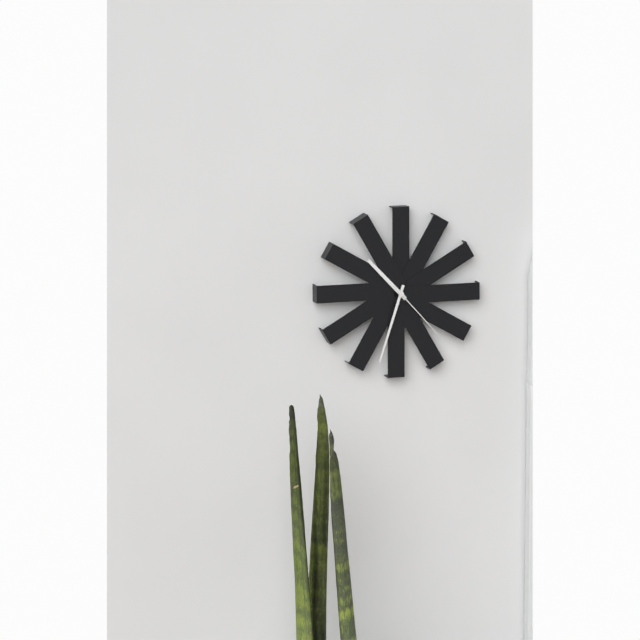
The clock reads 10h33m23s
